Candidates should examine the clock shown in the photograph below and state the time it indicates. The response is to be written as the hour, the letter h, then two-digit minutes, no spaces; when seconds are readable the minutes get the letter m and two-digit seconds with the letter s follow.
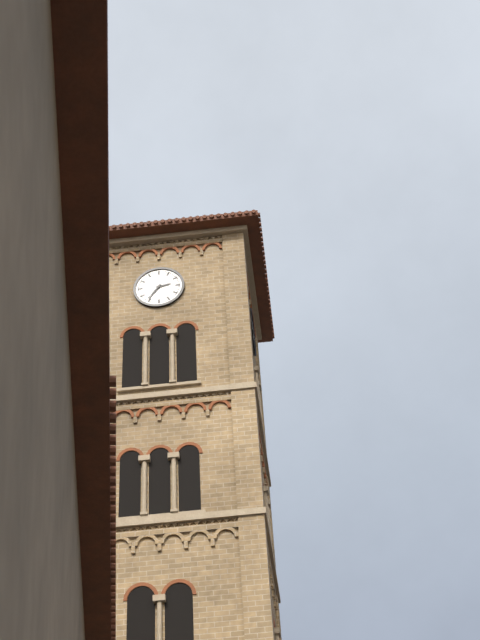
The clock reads 2h36
